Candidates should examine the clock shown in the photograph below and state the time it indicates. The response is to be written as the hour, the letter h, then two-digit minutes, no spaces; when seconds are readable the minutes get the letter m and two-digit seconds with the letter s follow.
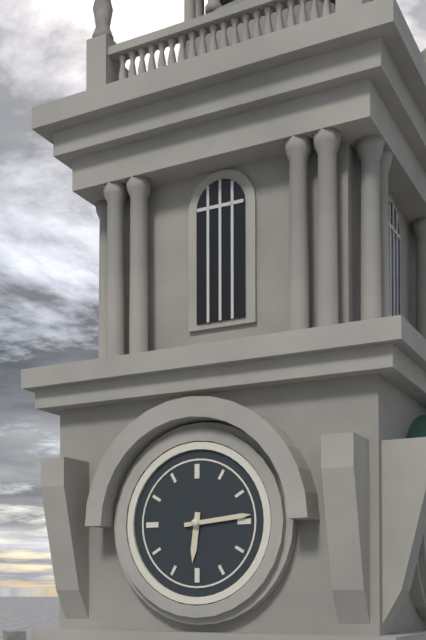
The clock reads 6h14
